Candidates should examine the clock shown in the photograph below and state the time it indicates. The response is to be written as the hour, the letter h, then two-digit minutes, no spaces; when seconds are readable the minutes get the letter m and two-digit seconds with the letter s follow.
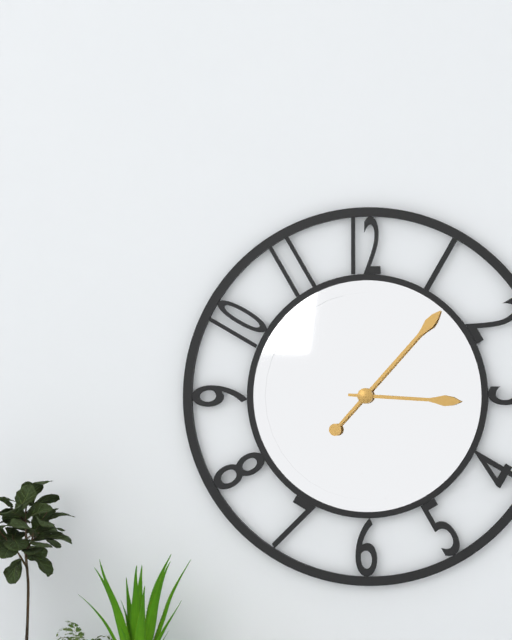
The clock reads 3h07
